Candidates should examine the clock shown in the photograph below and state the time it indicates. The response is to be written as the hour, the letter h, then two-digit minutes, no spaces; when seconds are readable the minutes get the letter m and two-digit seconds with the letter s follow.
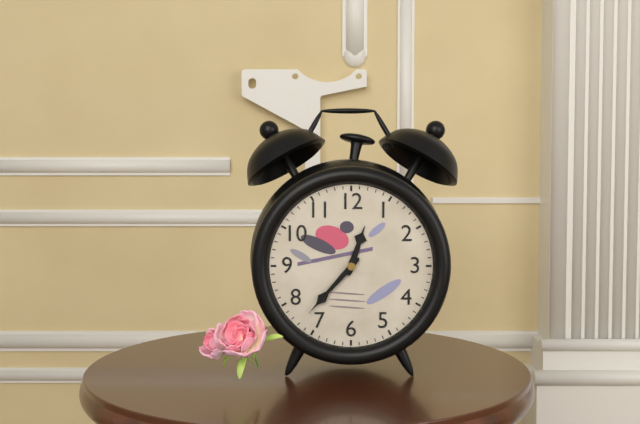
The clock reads 12h37
